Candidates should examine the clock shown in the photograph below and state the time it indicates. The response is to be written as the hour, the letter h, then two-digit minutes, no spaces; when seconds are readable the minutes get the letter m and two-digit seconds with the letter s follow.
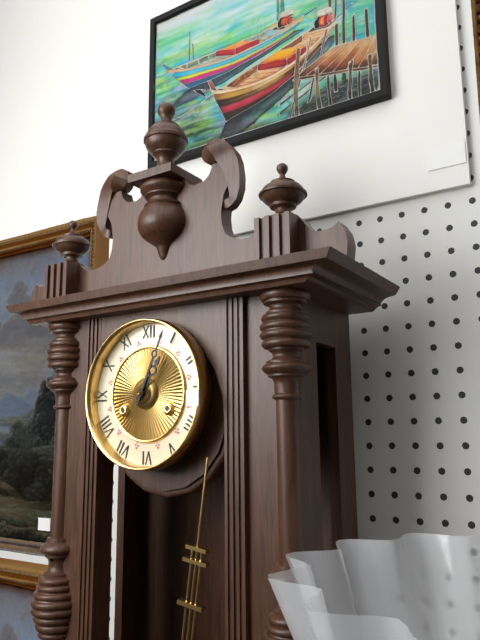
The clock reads 1h04
